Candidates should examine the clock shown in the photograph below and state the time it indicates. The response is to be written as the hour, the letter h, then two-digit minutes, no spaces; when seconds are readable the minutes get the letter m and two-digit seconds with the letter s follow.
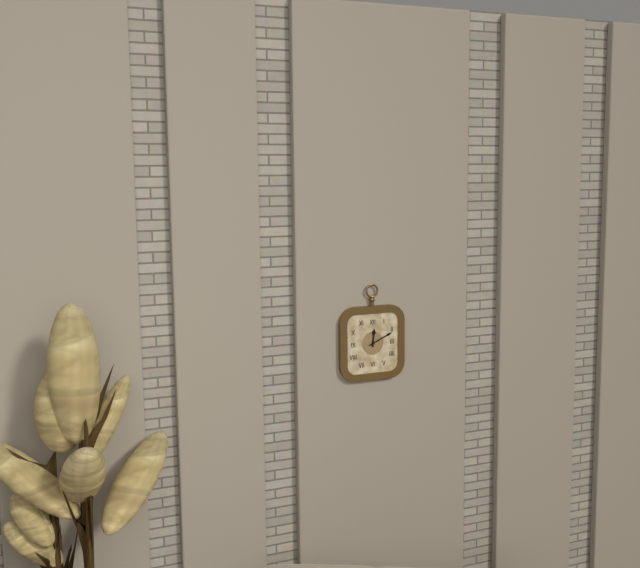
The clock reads 12h11
